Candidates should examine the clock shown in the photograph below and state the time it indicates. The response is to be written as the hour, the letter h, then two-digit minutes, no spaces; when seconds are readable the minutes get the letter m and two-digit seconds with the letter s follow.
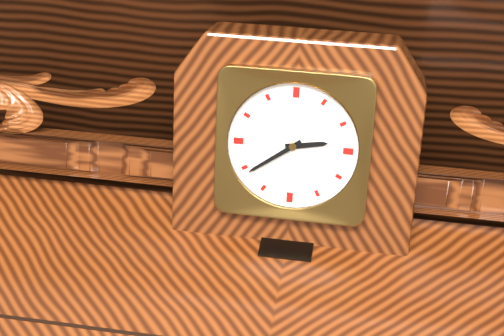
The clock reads 2h39
